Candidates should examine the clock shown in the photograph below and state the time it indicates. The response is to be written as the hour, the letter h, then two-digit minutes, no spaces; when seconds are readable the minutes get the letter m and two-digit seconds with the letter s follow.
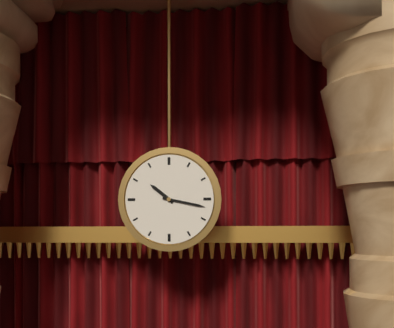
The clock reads 10h17
